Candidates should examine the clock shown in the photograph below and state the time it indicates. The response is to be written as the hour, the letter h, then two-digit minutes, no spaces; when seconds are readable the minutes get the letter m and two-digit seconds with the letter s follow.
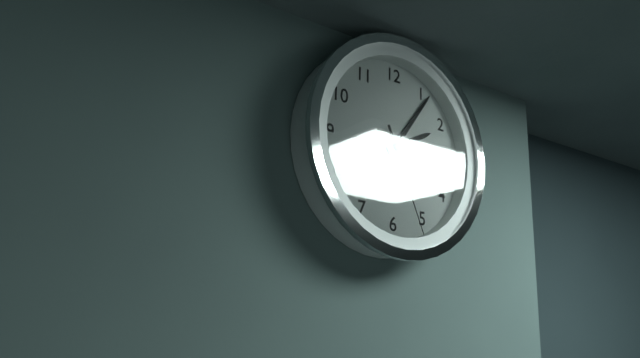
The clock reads 2h06m26s
